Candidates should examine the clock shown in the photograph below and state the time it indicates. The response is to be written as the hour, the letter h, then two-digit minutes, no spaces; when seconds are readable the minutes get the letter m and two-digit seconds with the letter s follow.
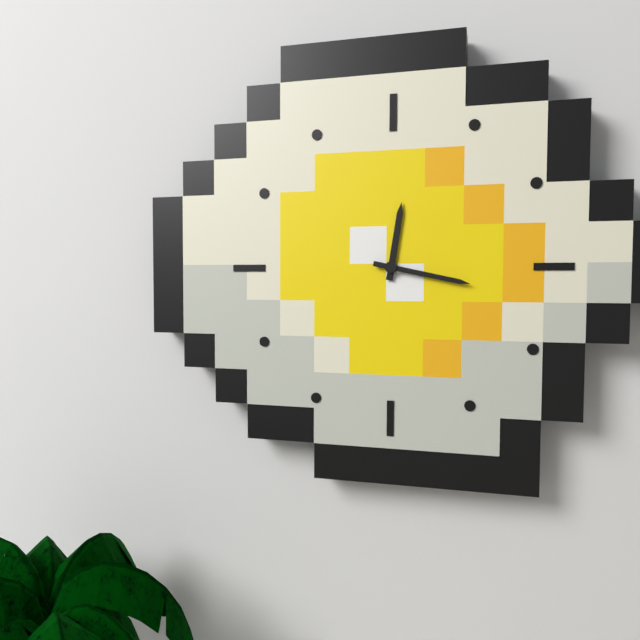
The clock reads 12h17
